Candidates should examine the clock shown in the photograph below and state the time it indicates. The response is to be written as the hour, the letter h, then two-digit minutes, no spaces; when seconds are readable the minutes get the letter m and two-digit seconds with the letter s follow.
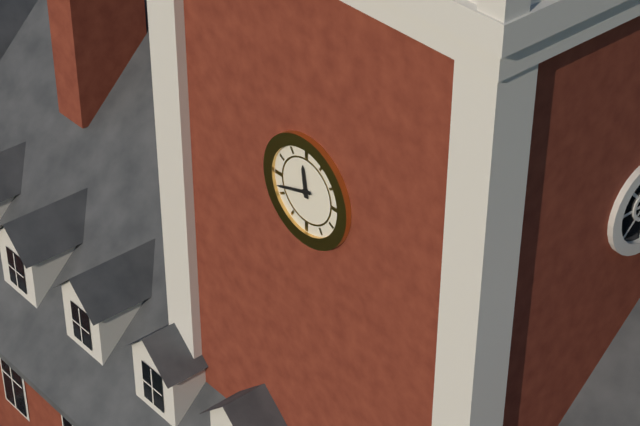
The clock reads 11h42
